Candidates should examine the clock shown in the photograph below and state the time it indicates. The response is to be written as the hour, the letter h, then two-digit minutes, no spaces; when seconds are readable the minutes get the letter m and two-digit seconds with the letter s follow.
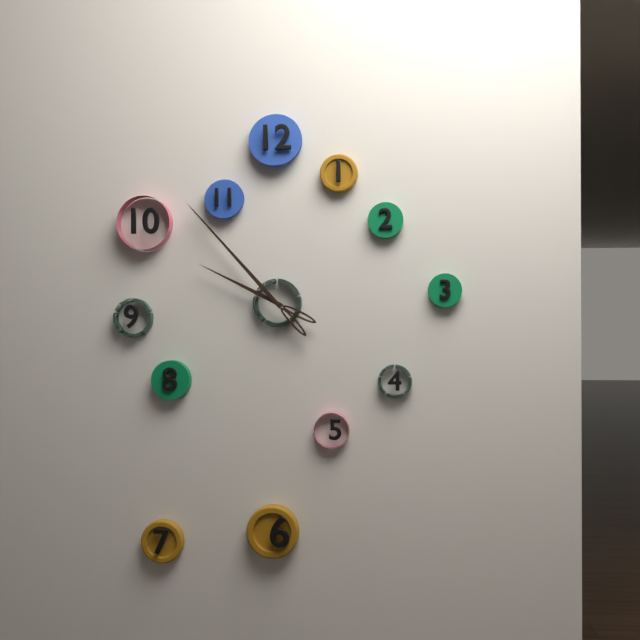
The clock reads 9h53
